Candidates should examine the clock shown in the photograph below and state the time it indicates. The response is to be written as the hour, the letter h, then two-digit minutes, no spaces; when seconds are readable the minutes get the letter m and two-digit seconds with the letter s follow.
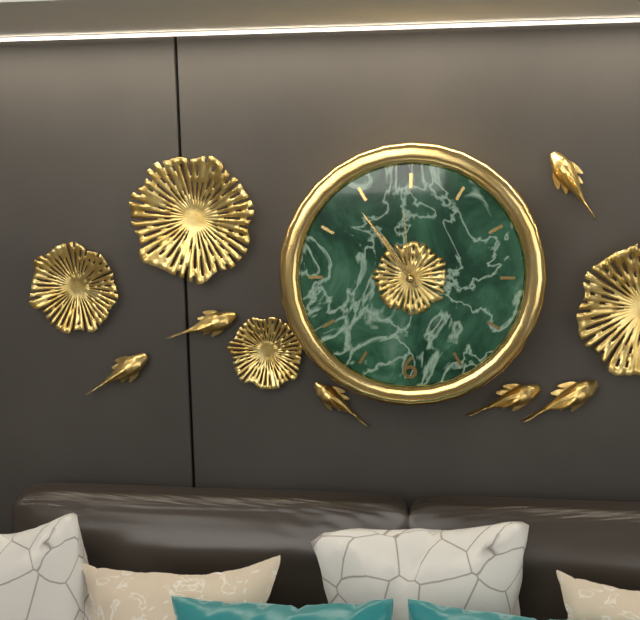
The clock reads 10h54m59s
